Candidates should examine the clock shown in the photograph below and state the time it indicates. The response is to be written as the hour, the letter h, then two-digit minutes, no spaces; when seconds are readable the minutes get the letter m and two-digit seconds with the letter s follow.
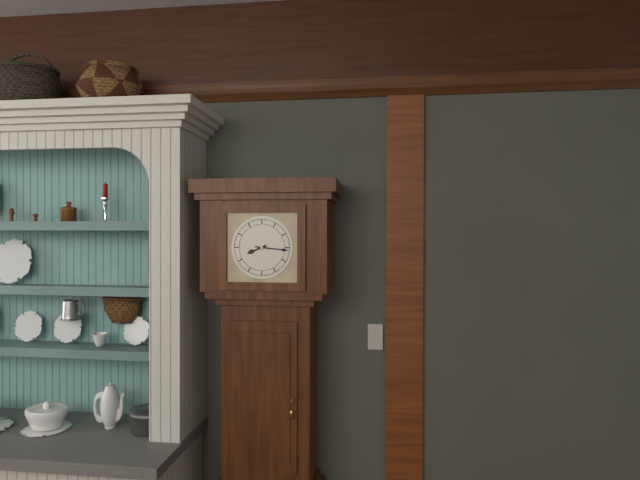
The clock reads 8h16
